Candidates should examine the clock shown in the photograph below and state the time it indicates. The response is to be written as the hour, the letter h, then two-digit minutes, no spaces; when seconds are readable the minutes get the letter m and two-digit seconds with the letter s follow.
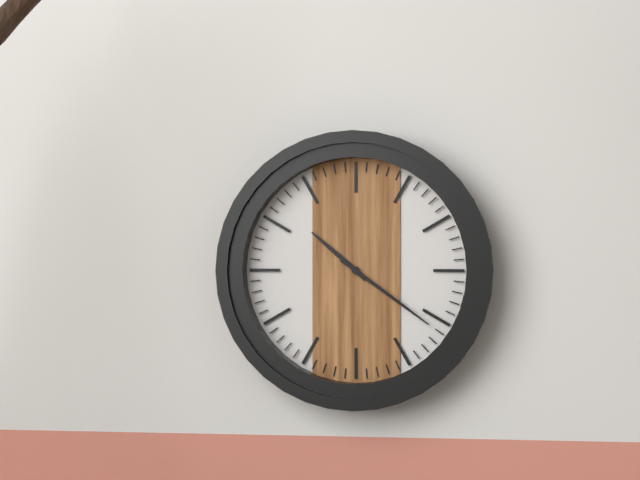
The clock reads 10h21
